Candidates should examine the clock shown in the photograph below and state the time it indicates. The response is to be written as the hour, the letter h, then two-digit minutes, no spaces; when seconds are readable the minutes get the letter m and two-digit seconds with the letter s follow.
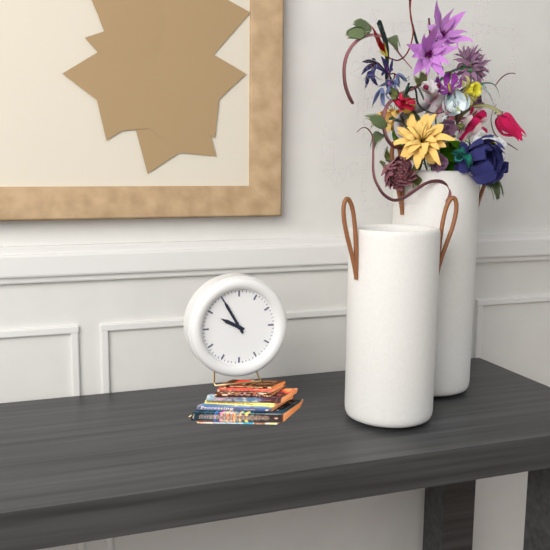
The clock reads 9h55
